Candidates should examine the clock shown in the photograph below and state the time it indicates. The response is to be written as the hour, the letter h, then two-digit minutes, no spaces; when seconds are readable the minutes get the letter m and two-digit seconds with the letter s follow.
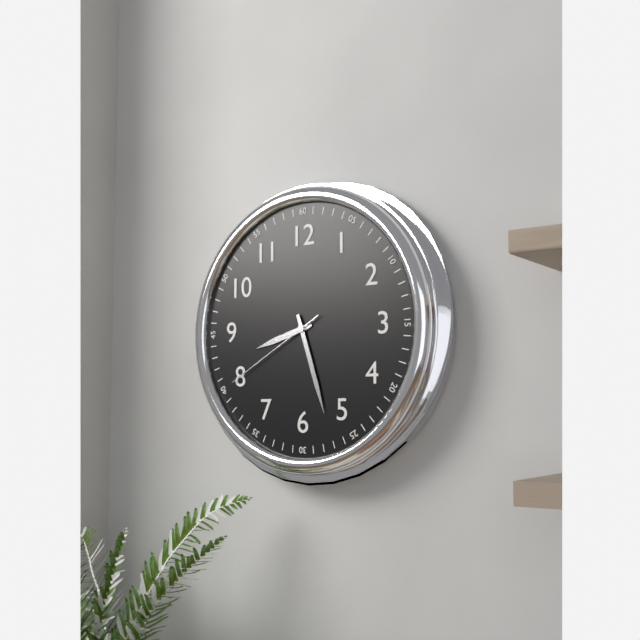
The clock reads 8h27m40s
